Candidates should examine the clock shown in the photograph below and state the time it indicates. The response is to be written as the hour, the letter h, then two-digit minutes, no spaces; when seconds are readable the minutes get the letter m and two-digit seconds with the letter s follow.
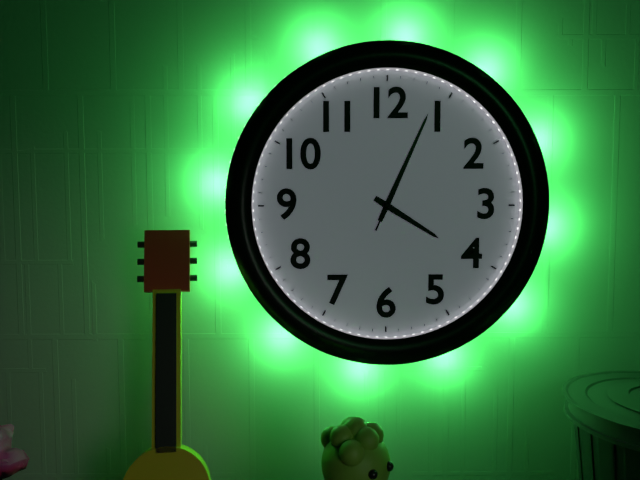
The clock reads 4h04m04s
